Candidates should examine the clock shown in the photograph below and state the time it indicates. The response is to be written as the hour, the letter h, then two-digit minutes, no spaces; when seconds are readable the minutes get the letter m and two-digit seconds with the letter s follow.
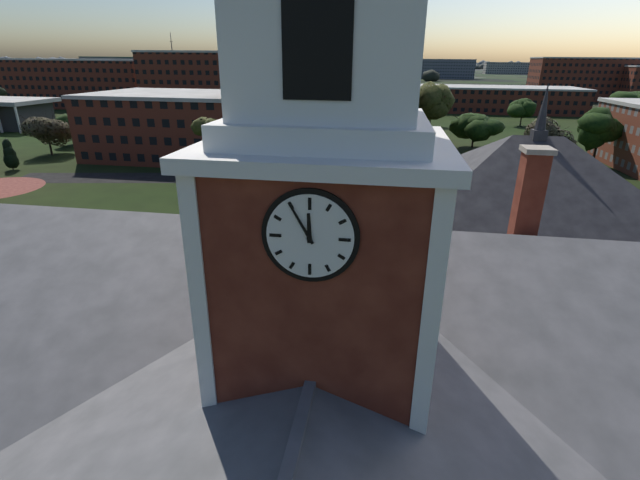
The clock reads 11h55
